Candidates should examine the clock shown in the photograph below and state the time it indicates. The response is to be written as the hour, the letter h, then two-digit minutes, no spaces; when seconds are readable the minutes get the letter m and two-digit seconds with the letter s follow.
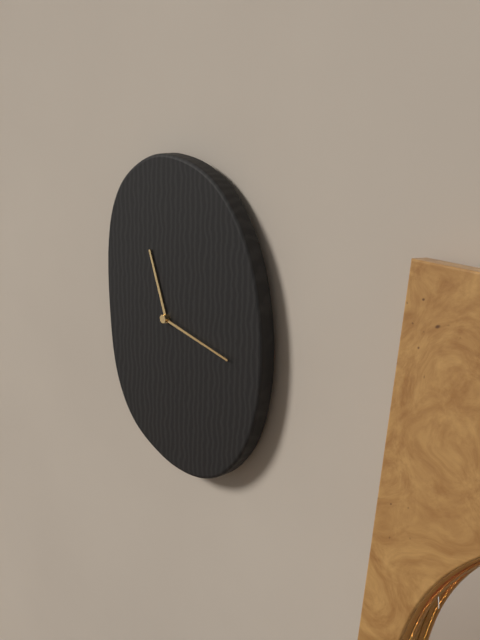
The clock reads 11h17
